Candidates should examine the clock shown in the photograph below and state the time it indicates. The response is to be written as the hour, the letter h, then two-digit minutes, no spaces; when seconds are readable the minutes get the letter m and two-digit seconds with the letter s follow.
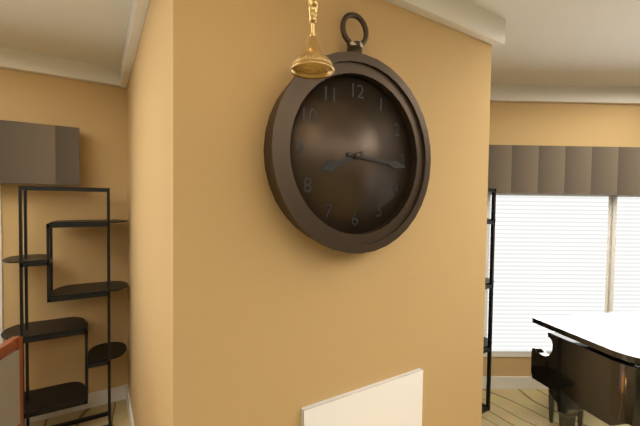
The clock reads 8h16
